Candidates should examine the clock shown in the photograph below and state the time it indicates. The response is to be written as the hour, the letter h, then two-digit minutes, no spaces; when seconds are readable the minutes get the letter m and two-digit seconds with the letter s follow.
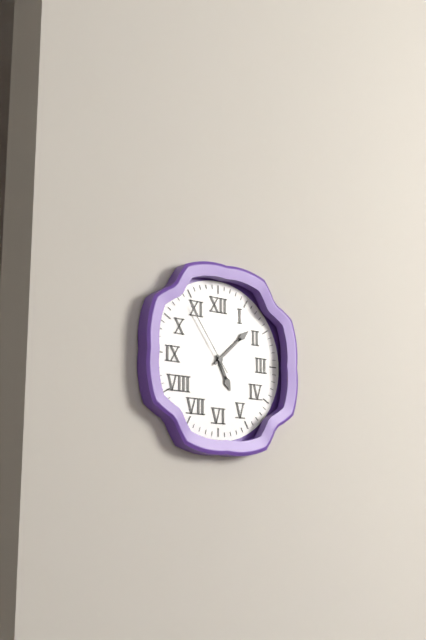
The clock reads 5h08m54s
